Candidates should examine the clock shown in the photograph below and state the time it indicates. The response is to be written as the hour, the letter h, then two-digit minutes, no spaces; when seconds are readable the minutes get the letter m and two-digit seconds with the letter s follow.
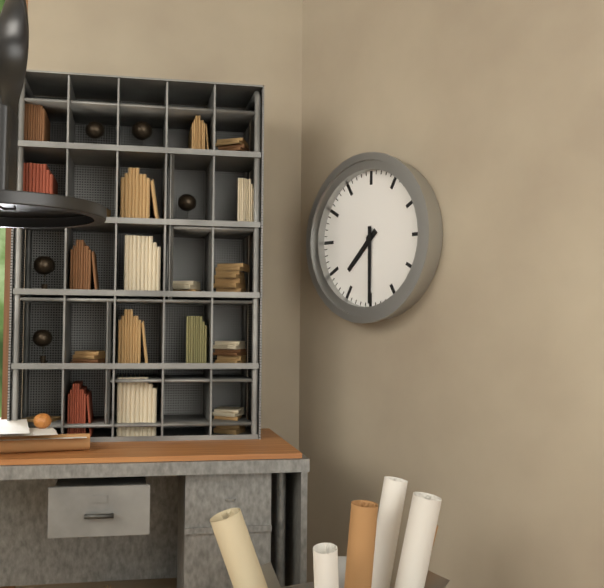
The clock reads 7h30
